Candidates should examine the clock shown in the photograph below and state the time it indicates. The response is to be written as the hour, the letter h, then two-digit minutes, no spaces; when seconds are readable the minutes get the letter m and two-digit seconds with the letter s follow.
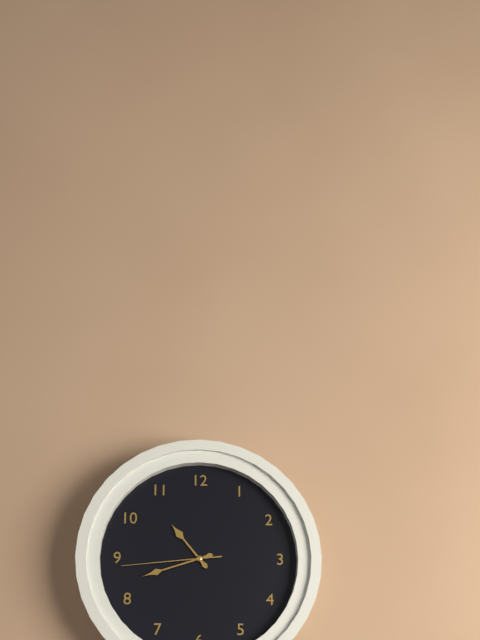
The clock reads 10h42m44s
